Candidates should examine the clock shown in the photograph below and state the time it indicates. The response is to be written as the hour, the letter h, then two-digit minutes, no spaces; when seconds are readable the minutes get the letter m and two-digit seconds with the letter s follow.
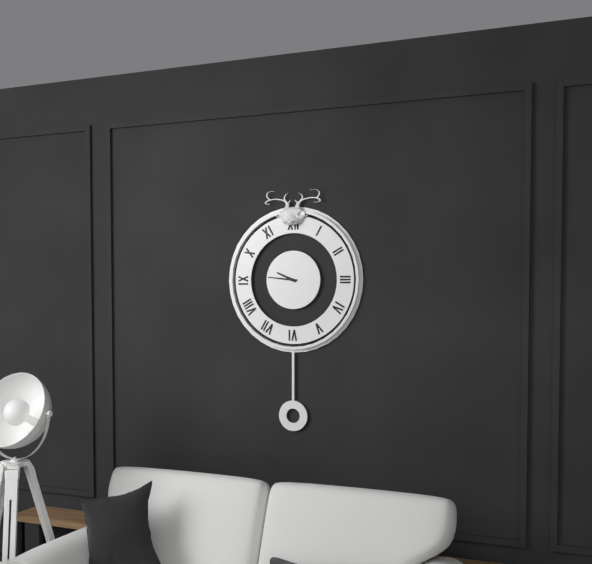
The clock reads 9h46
